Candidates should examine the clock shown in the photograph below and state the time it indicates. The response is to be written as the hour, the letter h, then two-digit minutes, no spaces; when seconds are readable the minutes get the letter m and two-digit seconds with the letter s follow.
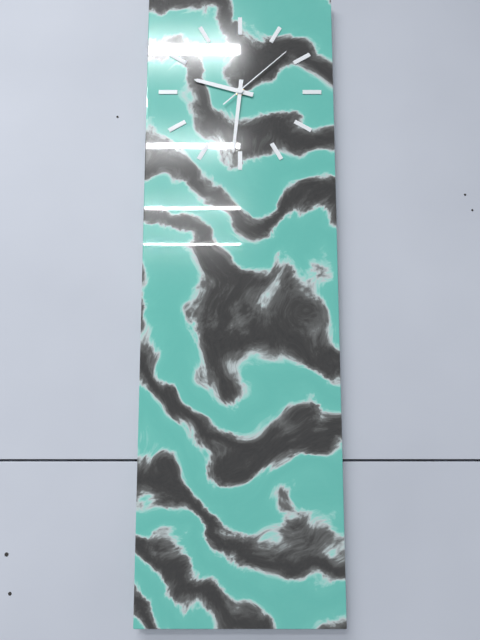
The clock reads 9h31m08s
